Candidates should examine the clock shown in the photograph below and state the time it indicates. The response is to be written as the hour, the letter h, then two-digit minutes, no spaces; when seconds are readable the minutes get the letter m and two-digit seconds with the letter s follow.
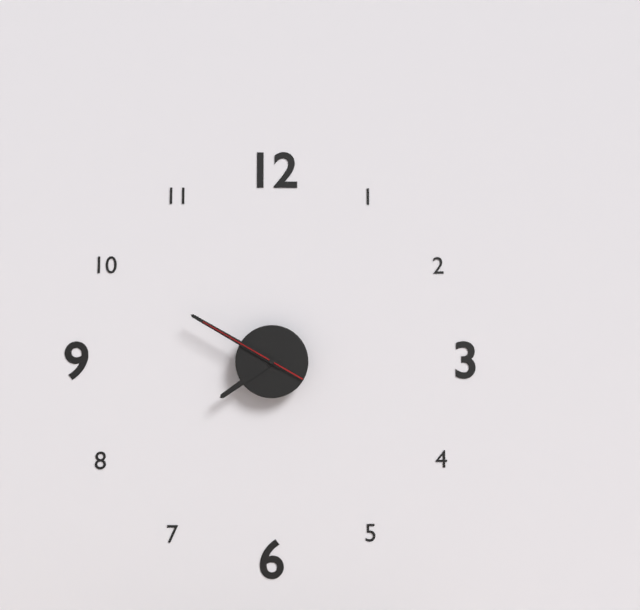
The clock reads 7h50m50s
